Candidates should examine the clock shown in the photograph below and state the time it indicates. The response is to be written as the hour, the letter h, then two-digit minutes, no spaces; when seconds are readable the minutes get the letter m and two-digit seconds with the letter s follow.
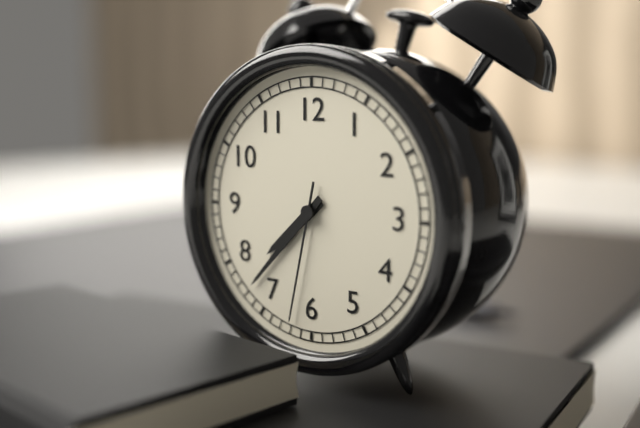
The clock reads 7h37m32s
